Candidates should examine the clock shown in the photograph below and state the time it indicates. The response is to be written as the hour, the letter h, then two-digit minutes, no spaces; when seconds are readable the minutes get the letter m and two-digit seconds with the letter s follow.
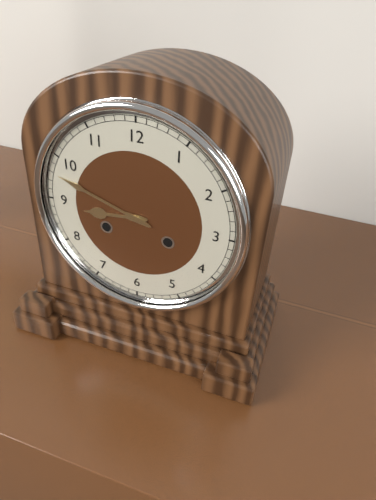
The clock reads 8h48
